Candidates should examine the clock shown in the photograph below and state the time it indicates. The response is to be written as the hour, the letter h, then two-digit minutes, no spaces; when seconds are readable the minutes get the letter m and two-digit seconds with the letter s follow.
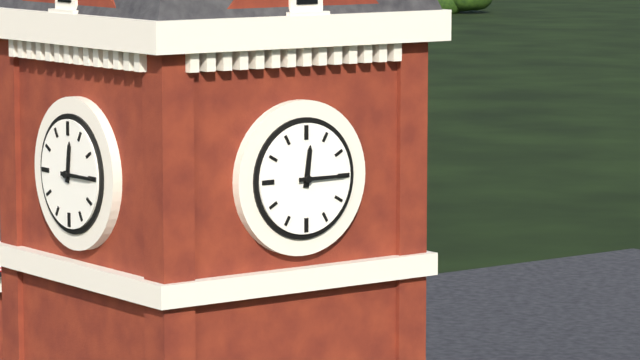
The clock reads 12h15
